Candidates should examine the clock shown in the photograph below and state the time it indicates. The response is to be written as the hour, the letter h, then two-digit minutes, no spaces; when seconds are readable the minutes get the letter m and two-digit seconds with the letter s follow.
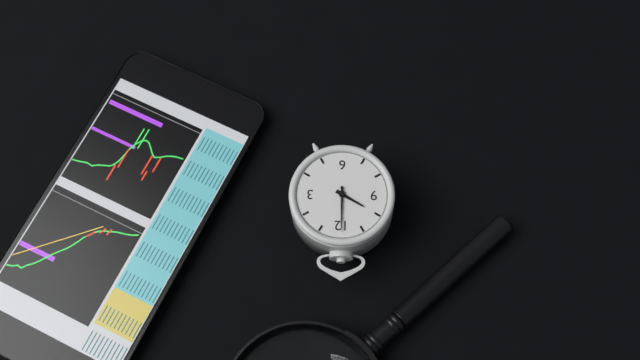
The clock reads 10h00
